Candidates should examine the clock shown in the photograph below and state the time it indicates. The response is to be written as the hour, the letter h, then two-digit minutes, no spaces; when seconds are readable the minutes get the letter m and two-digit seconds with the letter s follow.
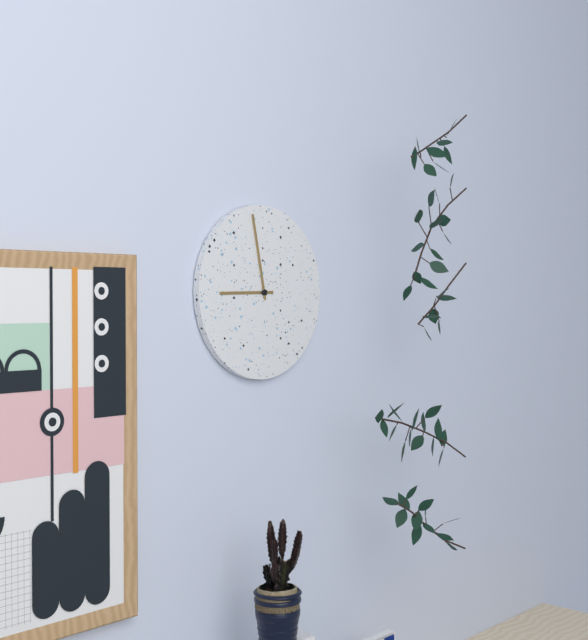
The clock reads 8h58
